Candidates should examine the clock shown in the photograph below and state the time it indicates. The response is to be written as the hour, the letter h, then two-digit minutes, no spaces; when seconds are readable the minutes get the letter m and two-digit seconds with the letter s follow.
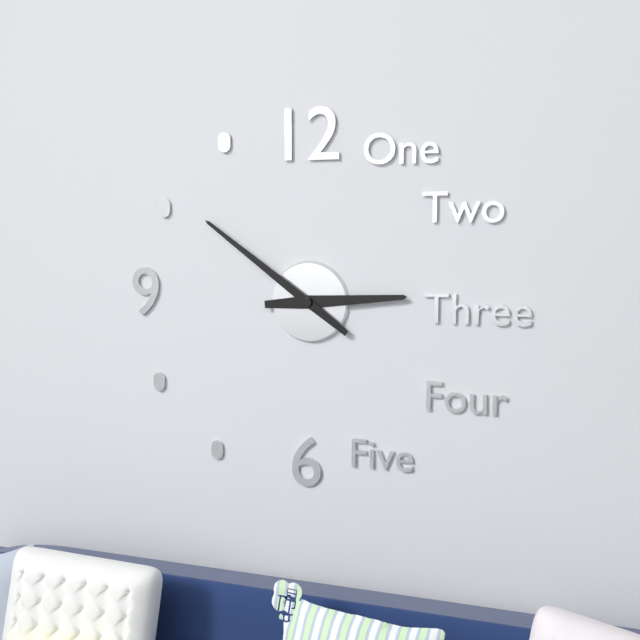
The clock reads 2h51
